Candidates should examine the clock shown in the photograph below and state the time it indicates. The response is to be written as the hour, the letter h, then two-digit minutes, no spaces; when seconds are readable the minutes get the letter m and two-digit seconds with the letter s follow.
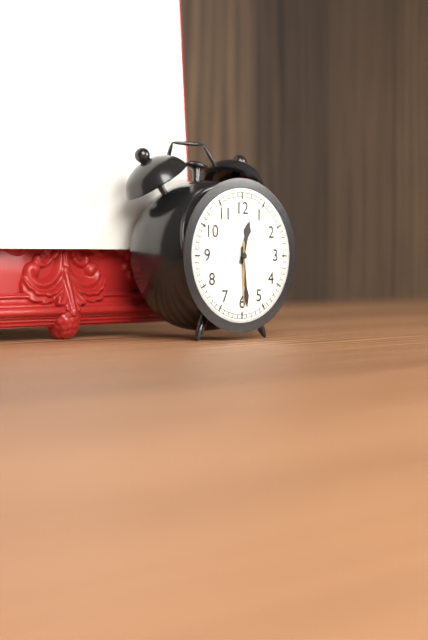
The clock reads 12h29m30s
